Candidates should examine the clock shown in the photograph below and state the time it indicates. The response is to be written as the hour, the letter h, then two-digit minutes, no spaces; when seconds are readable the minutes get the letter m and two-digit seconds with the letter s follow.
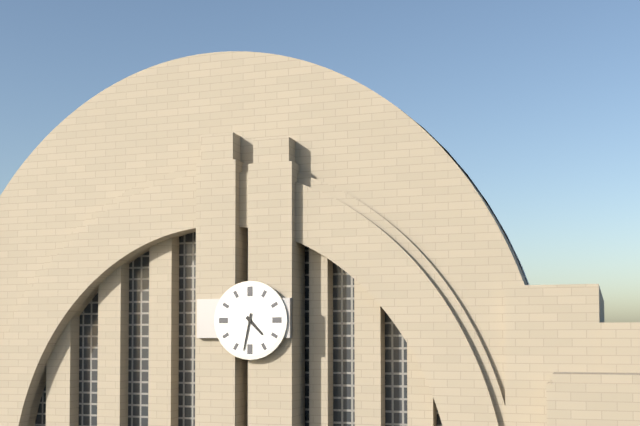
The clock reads 4h32
